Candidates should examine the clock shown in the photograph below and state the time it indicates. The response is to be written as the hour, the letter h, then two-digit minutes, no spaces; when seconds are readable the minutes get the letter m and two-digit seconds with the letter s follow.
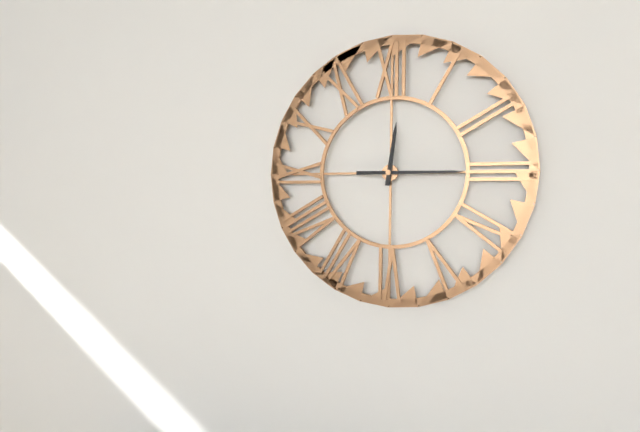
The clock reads 12h15
